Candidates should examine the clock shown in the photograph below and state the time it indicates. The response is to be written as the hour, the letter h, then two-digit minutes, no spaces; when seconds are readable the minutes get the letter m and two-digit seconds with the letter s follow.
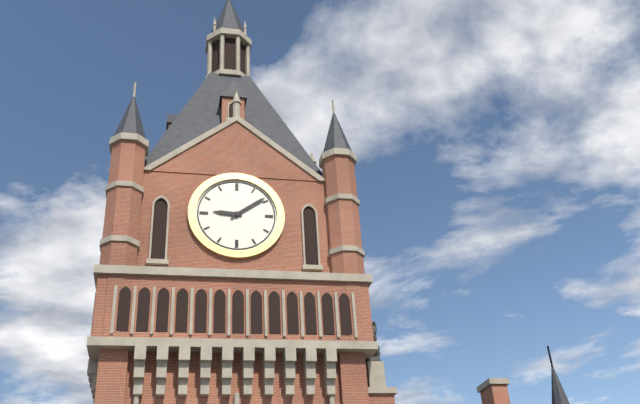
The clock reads 9h09
